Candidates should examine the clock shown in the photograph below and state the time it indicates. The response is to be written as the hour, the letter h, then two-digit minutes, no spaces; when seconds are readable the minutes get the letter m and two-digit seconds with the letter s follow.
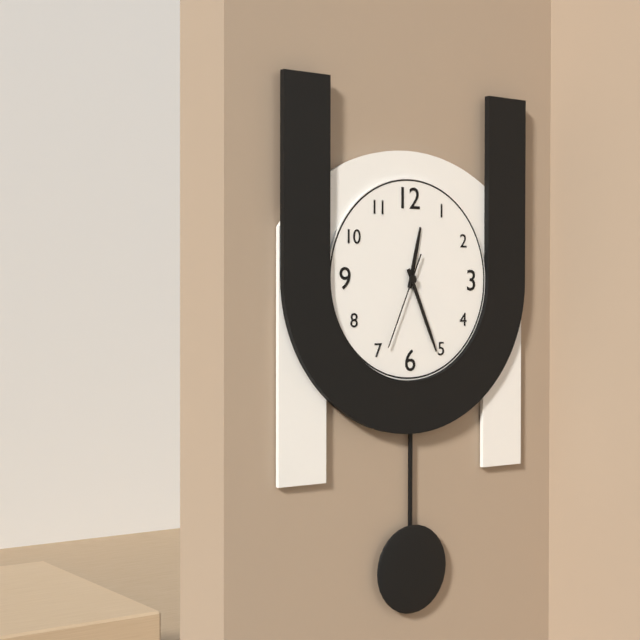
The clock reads 12h26m34s
